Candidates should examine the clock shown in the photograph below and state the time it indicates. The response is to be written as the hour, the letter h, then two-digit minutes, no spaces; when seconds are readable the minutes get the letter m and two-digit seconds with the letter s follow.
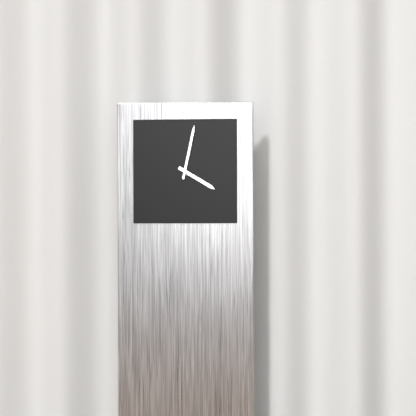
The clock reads 4h02
